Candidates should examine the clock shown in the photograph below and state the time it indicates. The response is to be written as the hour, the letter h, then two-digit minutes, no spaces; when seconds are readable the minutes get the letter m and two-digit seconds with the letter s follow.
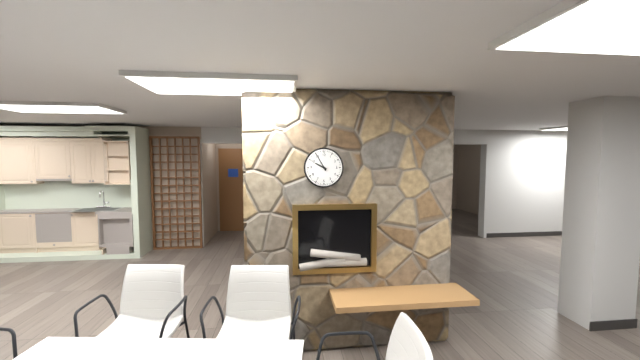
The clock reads 9h55
